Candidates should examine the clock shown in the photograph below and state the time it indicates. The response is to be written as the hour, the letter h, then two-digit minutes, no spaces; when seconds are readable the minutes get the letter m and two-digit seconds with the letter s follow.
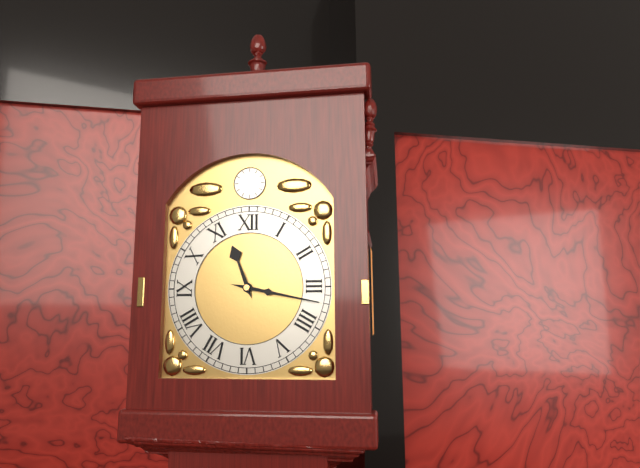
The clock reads 11h17
